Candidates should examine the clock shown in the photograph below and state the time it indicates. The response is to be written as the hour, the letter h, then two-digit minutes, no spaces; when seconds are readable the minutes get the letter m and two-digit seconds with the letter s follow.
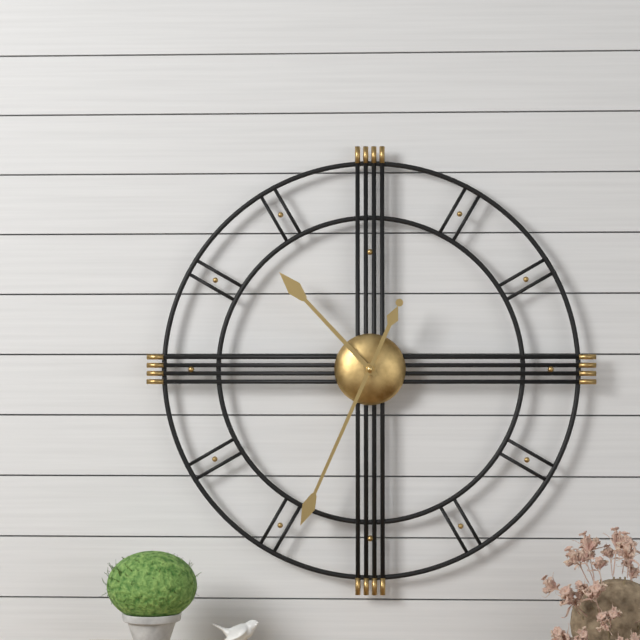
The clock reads 10h34
